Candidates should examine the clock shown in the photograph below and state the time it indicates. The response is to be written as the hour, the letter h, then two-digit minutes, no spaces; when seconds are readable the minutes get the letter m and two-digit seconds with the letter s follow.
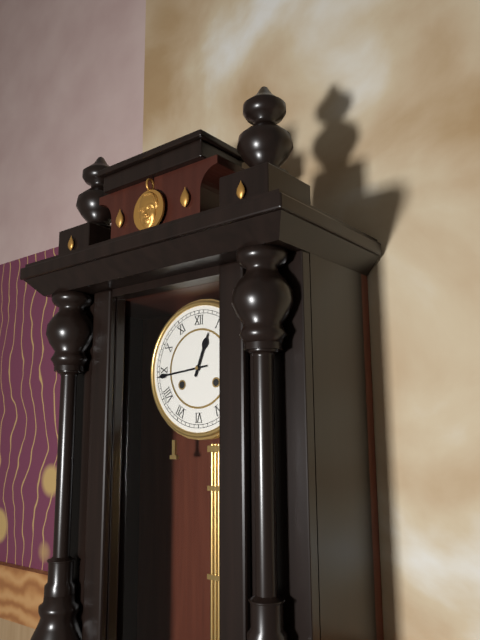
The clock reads 12h44
